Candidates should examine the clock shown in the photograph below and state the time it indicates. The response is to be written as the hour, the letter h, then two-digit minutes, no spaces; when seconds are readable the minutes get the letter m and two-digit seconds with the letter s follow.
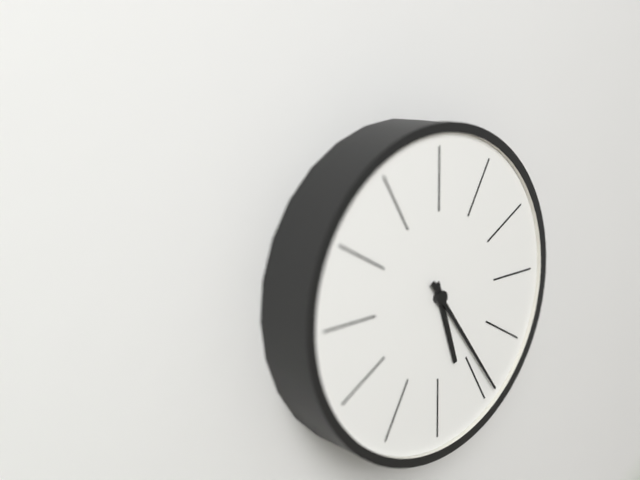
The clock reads 5h24
